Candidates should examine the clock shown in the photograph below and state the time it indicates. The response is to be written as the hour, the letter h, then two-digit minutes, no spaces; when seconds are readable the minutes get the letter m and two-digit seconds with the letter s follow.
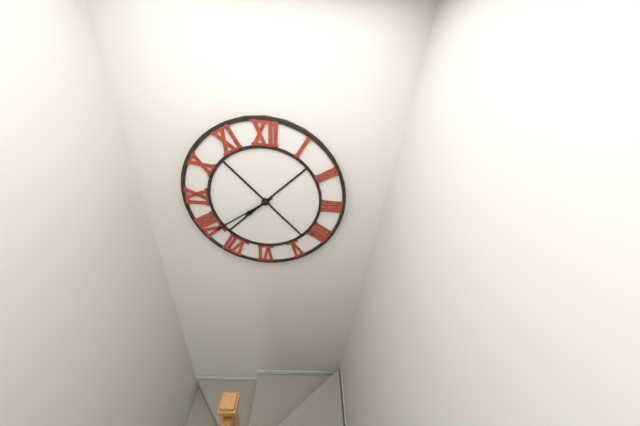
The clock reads 7h39
